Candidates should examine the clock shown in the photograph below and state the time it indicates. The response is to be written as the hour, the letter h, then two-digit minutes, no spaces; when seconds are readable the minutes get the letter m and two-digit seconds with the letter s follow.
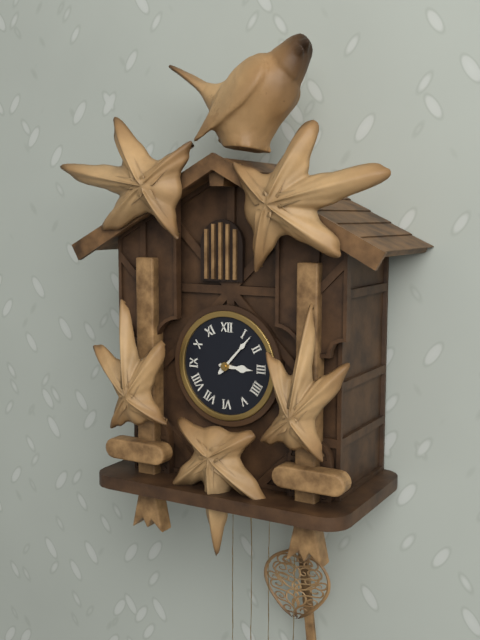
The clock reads 3h07
